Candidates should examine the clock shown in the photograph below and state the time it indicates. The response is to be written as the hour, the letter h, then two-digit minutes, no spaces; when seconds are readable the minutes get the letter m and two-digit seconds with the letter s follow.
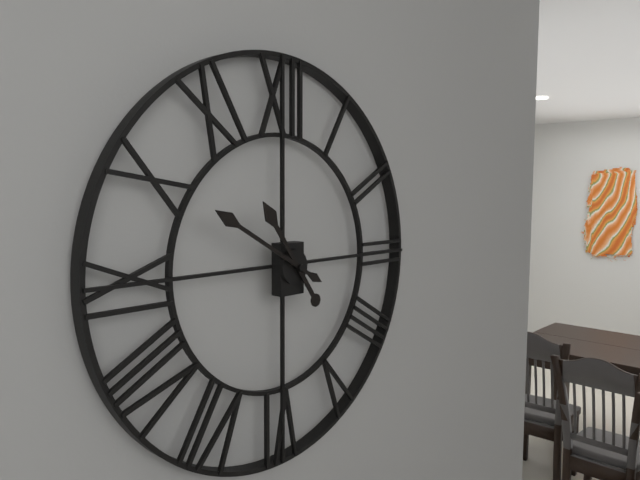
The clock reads 10h50
